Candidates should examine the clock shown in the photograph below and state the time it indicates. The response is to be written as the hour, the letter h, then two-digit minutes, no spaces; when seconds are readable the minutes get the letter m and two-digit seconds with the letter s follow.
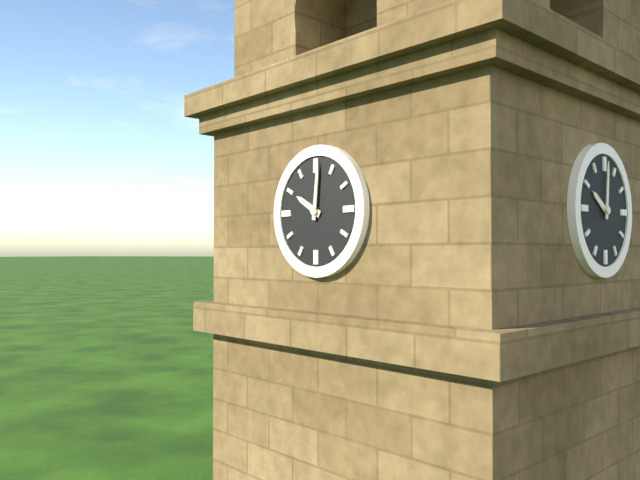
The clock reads 10h01
